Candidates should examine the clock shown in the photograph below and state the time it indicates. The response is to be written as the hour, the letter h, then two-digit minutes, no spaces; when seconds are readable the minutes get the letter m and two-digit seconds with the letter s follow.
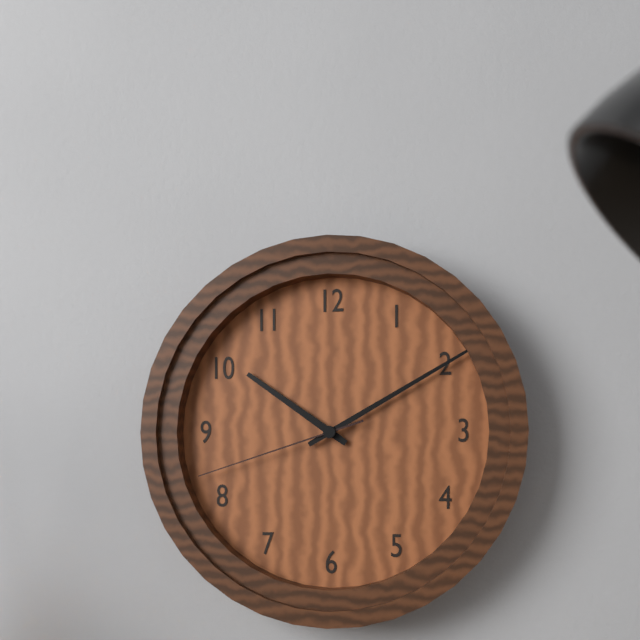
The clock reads 10h10m42s
